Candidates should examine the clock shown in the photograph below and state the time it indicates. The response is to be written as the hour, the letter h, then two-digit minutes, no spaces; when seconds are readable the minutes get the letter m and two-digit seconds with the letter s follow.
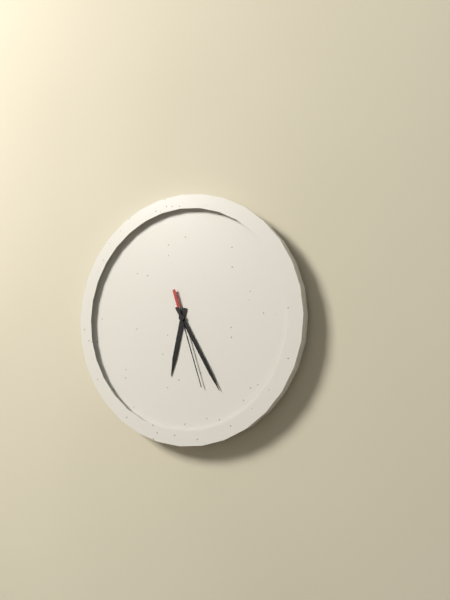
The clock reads 6h25m27s
